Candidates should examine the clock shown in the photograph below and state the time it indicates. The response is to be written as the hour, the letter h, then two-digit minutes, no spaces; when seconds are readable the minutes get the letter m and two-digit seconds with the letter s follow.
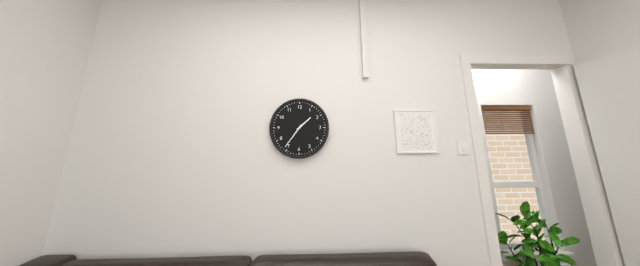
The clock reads 1h36
